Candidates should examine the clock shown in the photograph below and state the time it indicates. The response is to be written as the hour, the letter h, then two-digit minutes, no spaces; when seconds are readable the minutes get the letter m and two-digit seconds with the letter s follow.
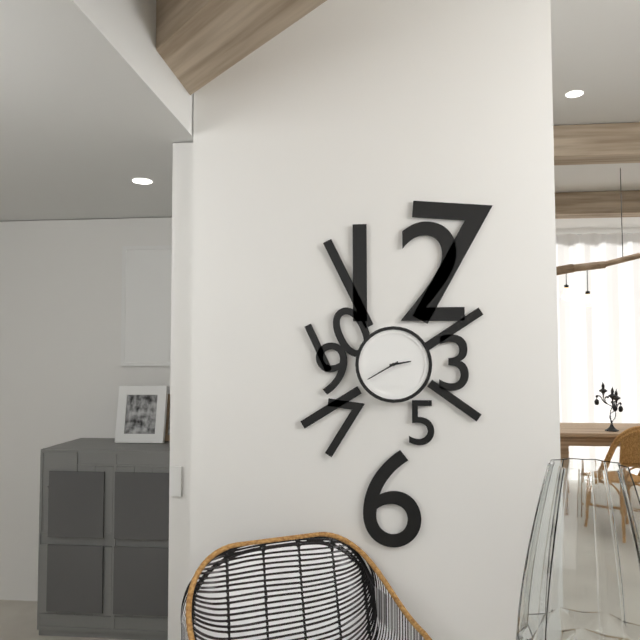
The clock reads 2h40
